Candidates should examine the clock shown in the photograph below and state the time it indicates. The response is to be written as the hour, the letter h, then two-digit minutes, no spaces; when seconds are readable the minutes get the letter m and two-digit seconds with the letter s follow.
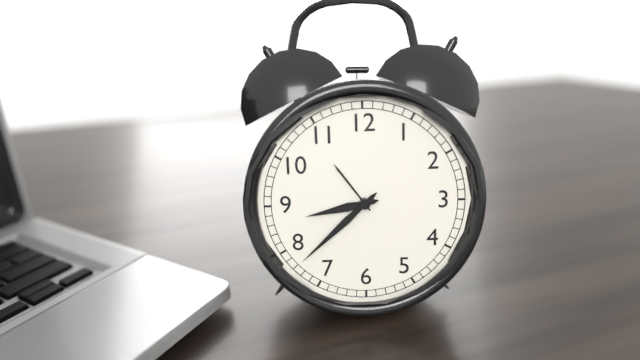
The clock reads 8h38
